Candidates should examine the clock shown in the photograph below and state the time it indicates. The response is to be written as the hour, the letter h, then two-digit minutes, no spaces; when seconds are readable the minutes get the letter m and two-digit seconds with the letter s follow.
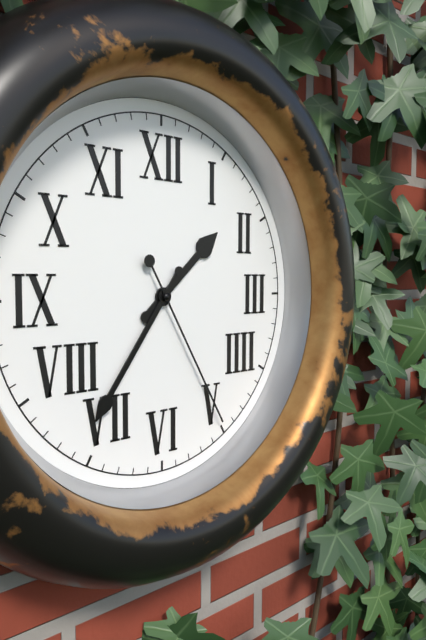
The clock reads 1h36m25s
